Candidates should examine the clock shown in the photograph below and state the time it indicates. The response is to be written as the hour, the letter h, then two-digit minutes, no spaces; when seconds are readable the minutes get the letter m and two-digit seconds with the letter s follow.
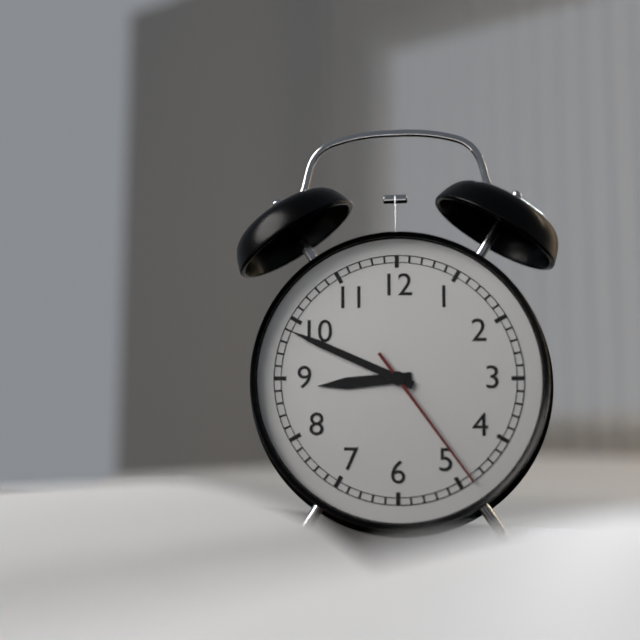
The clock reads 8h49m24s
